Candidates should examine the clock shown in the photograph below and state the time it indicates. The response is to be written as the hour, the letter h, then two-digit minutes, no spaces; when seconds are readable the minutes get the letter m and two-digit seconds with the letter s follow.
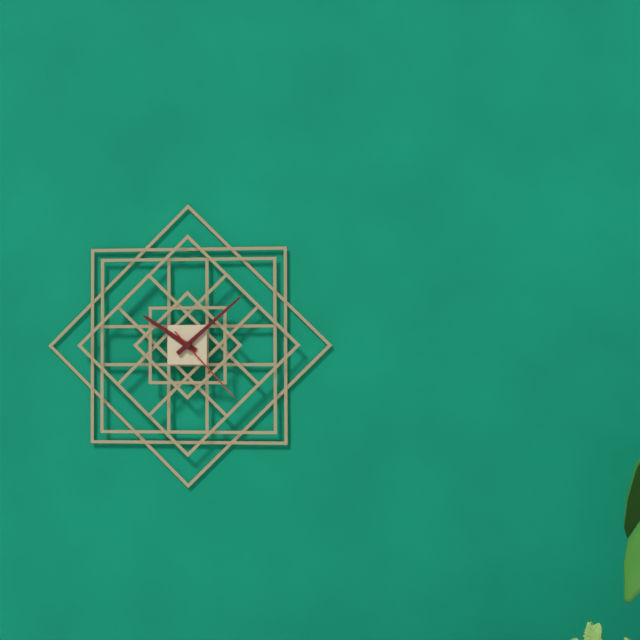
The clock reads 10h08m23s
